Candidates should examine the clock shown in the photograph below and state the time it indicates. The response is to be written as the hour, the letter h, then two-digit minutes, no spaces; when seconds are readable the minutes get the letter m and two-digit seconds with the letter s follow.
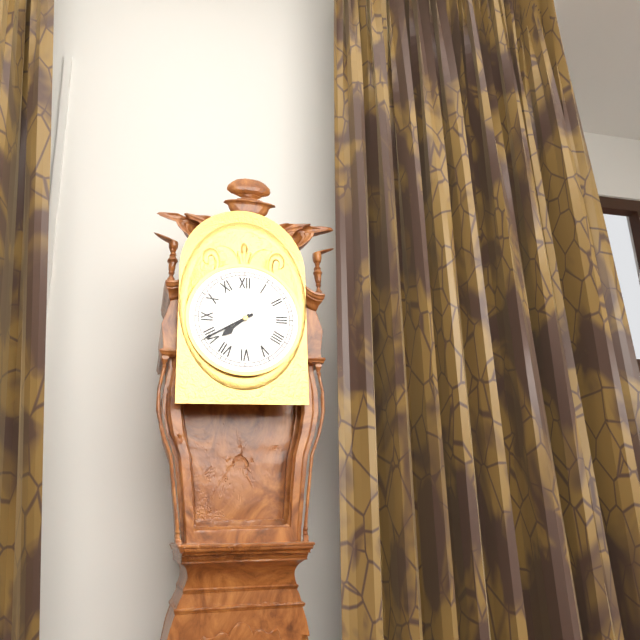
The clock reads 7h40
